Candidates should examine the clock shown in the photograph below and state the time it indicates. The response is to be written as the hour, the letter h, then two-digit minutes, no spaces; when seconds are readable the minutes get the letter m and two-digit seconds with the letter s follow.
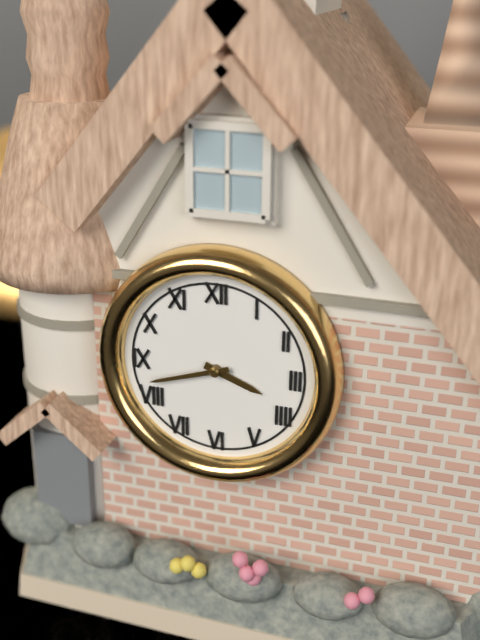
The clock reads 3h42
